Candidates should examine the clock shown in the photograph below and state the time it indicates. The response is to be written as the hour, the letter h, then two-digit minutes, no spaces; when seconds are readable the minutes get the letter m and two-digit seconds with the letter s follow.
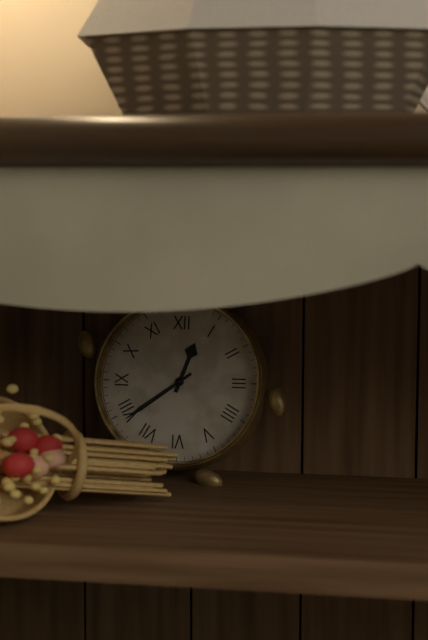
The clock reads 12h39
